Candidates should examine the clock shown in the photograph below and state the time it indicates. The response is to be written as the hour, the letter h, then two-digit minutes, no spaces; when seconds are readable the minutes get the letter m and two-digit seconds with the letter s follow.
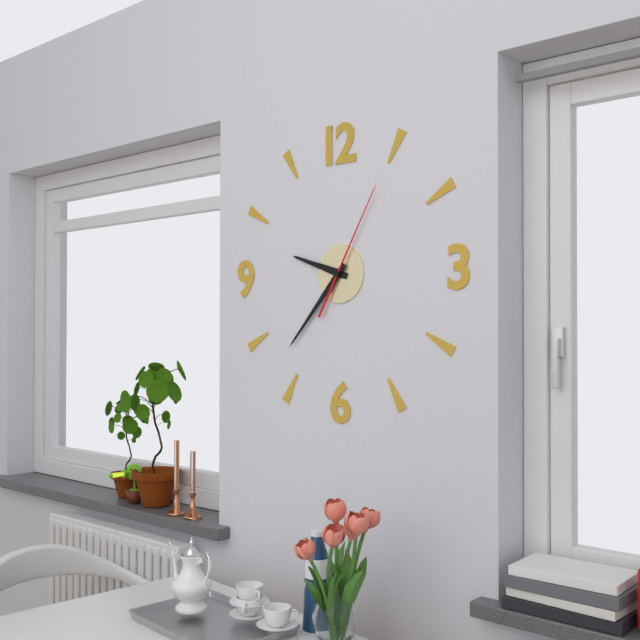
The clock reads 9h37m05s
